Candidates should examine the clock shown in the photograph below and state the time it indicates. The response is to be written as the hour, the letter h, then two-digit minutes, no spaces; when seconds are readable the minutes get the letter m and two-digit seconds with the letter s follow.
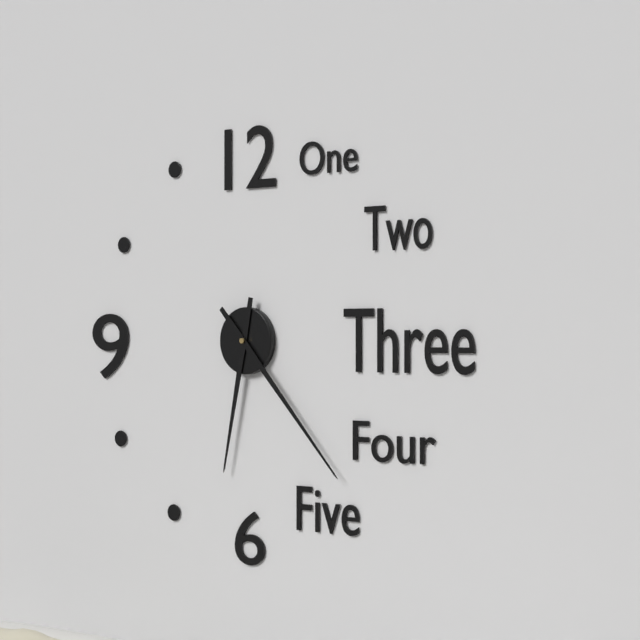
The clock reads 6h23
